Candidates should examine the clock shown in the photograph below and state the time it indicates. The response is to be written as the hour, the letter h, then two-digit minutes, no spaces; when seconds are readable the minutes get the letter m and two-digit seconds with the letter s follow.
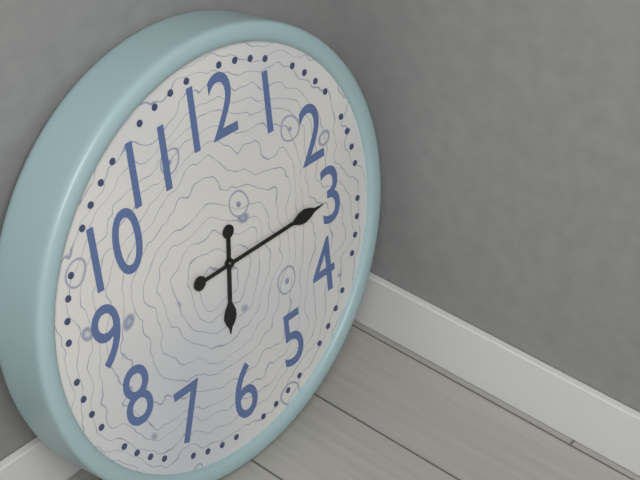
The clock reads 6h15
